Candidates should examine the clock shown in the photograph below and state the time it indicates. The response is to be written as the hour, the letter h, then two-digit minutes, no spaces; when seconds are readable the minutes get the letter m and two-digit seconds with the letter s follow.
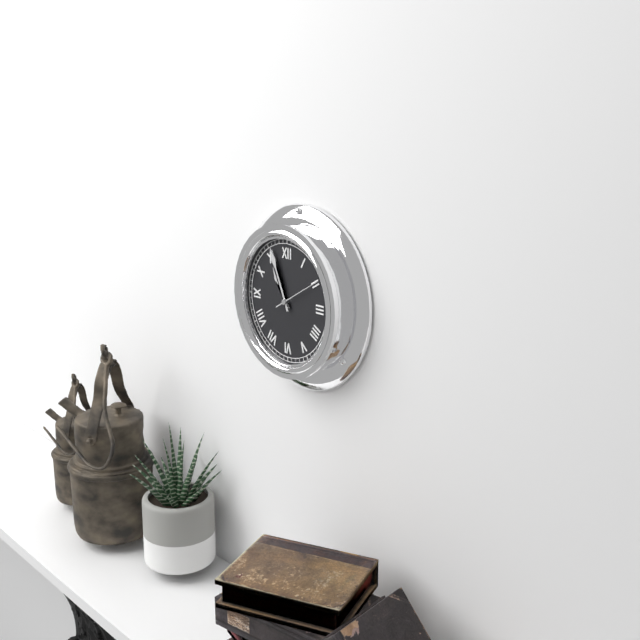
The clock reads 10h56
